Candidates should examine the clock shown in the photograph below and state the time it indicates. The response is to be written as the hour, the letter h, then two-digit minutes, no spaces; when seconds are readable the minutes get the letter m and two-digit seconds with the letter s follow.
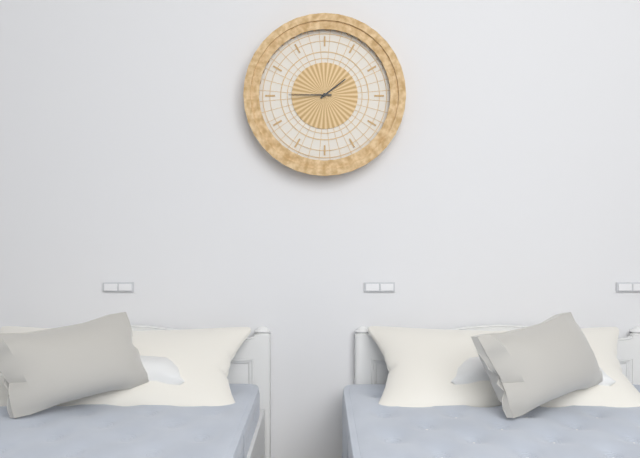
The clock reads 1h45
